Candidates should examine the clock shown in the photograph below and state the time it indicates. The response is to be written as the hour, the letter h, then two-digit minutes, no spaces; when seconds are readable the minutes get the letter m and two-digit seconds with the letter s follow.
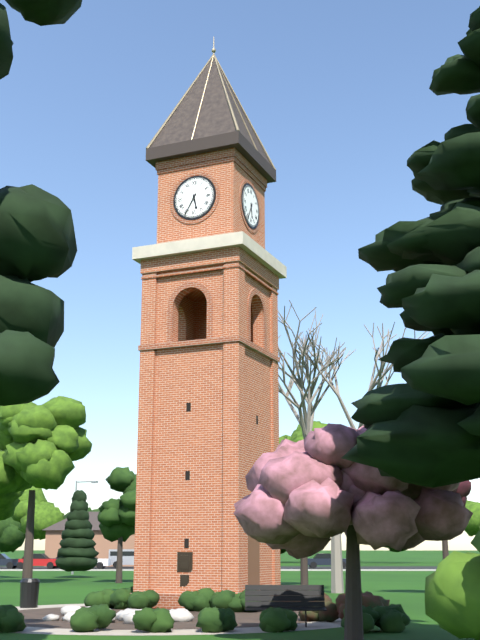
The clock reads 5h35
